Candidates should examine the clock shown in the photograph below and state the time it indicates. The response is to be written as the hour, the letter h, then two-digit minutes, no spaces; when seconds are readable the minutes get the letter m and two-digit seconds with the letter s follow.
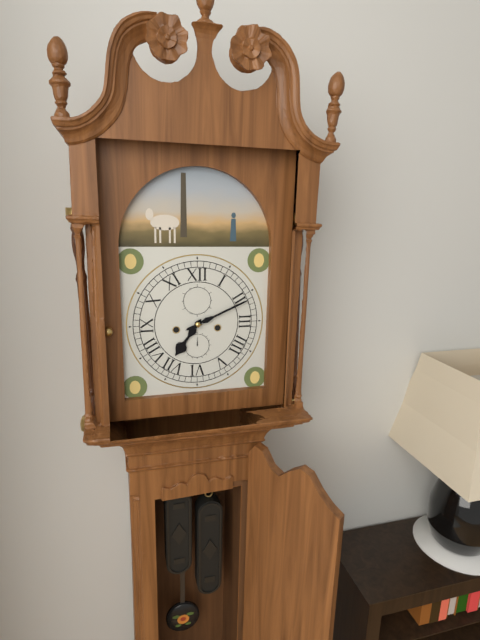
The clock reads 7h11
